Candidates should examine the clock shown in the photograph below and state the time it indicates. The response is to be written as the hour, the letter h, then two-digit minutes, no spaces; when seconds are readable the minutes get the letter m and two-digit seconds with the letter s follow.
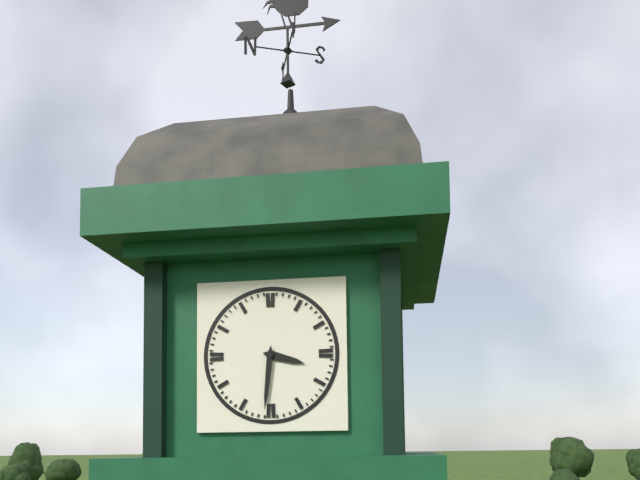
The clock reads 3h31
